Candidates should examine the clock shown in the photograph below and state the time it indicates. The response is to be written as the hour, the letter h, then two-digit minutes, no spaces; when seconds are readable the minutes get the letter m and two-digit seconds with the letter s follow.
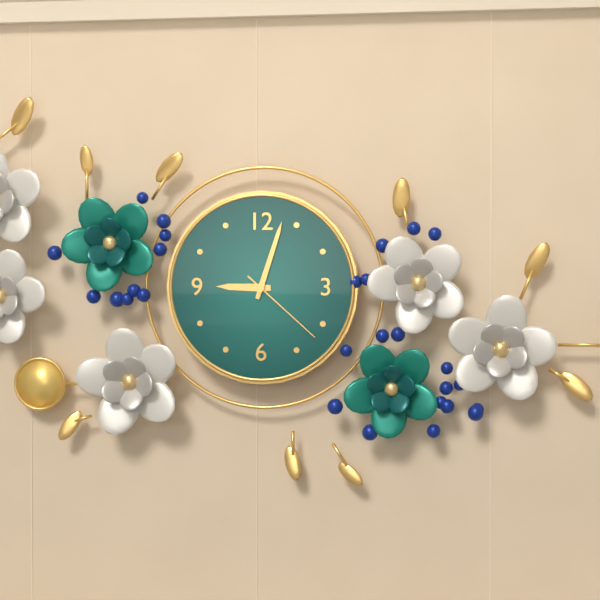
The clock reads 9h03m22s
